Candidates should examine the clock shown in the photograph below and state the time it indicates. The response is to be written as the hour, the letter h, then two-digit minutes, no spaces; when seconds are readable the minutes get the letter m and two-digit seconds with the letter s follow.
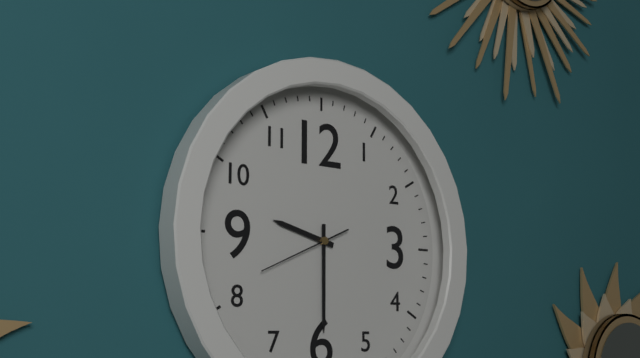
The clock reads 9h30m41s
